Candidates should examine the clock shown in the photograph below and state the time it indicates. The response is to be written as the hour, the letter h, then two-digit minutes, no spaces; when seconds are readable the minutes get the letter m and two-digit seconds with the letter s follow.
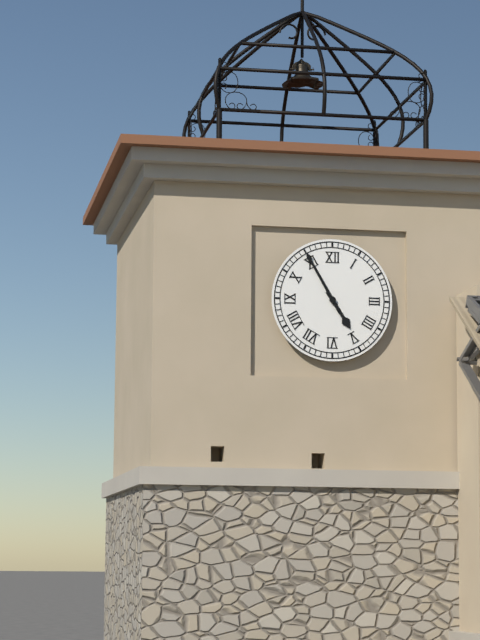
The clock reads 4h55
